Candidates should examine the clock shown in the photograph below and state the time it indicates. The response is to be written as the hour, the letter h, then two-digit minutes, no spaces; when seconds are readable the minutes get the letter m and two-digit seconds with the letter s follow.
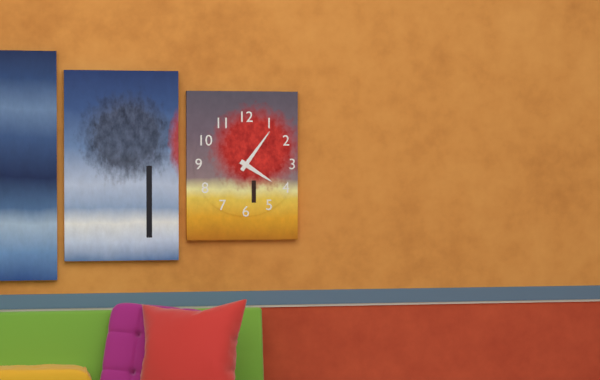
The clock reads 4h06
